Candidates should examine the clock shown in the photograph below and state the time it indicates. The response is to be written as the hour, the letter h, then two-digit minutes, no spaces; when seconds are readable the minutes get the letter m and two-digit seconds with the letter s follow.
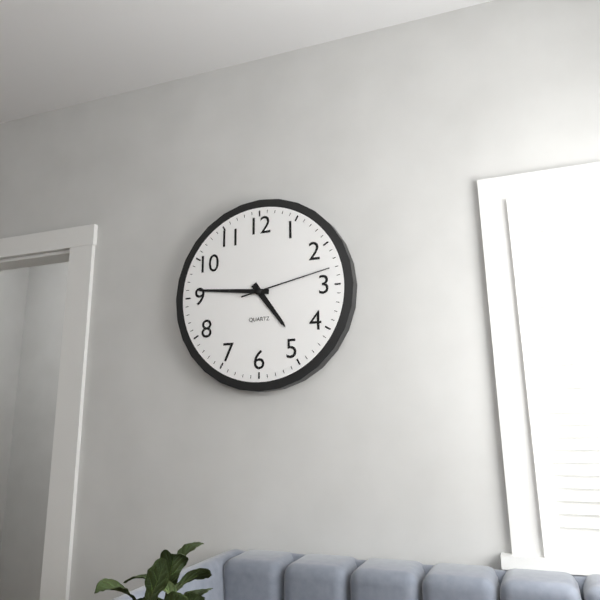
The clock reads 4h46m13s
